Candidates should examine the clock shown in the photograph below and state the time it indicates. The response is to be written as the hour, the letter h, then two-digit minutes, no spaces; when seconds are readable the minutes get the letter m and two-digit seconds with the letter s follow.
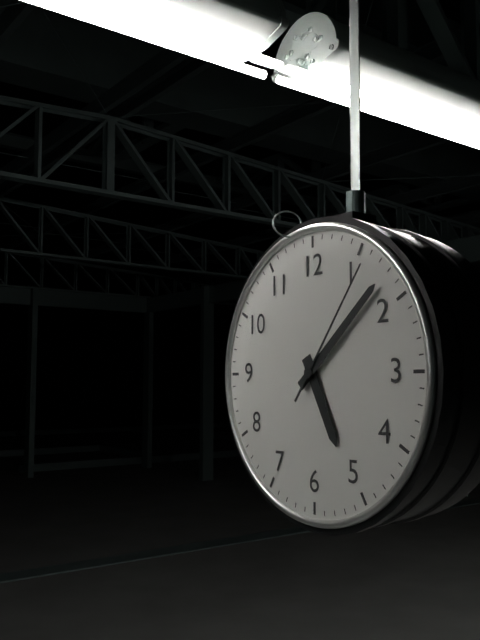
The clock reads 5h08m06s
